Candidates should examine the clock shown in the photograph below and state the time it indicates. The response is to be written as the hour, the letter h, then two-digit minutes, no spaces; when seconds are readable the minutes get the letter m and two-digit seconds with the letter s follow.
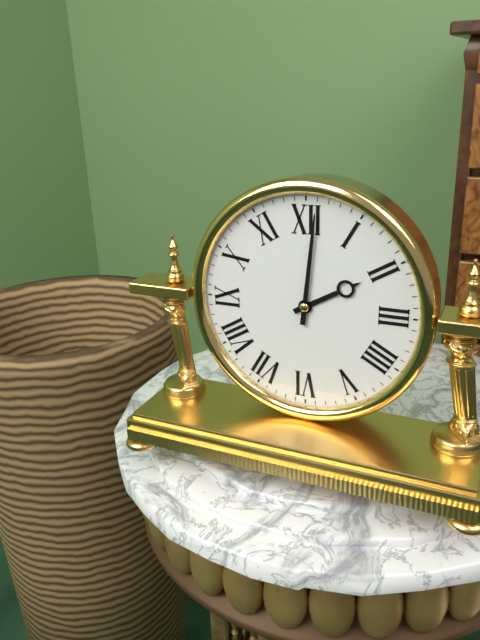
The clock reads 2h01
